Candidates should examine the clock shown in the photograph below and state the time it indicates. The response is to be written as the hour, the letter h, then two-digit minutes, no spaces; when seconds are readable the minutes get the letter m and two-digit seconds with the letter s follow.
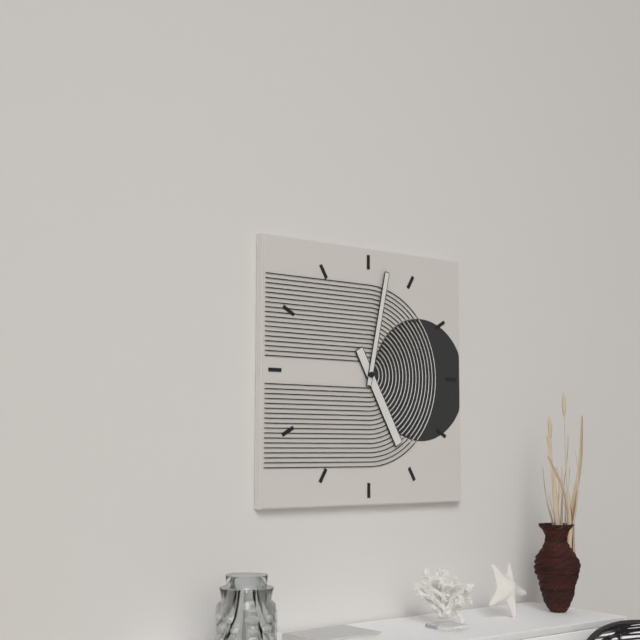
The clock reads 5h02
